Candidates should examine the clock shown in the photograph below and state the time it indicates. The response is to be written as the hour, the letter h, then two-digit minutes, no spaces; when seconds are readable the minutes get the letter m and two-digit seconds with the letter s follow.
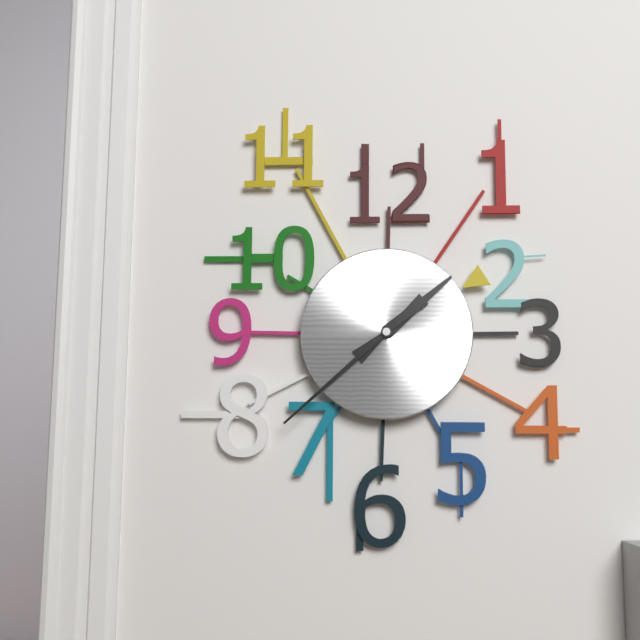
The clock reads 1h38
